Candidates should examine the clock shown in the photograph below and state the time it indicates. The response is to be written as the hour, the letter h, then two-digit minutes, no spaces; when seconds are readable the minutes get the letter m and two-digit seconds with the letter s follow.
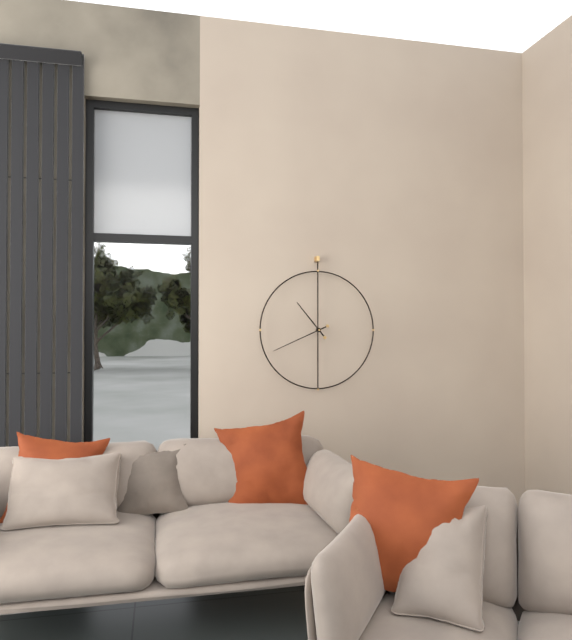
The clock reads 10h41
